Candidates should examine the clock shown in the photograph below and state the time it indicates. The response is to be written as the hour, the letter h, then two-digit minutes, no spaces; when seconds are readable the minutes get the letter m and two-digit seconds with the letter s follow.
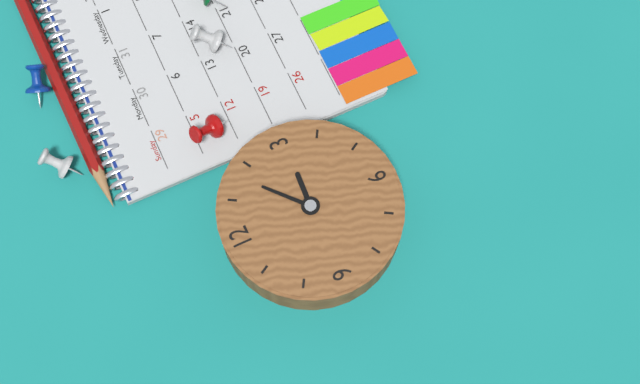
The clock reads 3h08
